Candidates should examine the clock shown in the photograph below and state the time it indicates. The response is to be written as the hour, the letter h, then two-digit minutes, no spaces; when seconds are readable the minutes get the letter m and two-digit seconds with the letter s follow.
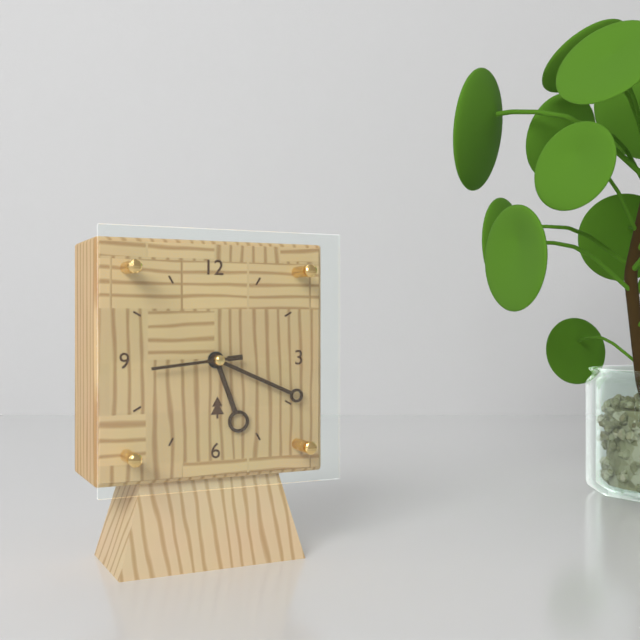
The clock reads 5h19m44s
